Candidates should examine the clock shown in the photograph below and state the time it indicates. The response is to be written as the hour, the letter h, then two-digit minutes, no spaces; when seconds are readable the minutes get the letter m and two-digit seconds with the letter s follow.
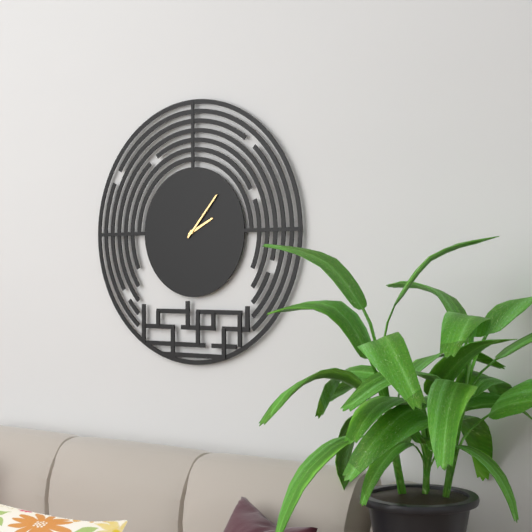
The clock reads 2h07
